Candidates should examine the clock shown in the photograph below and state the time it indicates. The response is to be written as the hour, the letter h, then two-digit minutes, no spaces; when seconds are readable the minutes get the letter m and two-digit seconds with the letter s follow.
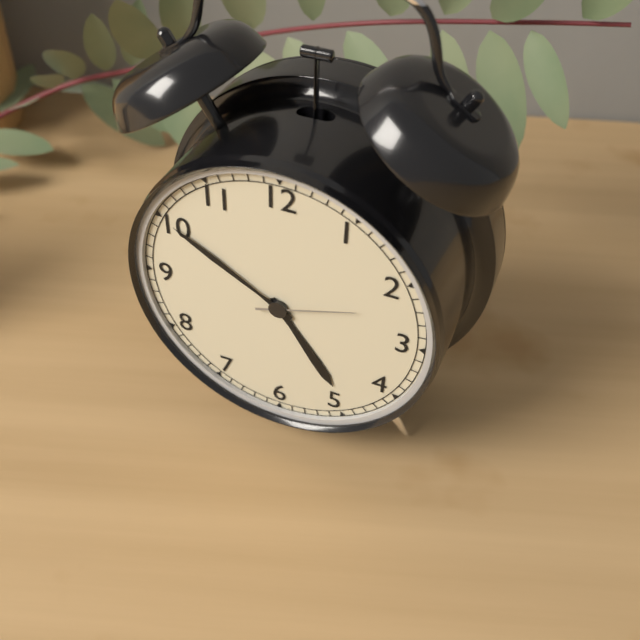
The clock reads 4h50m12s
